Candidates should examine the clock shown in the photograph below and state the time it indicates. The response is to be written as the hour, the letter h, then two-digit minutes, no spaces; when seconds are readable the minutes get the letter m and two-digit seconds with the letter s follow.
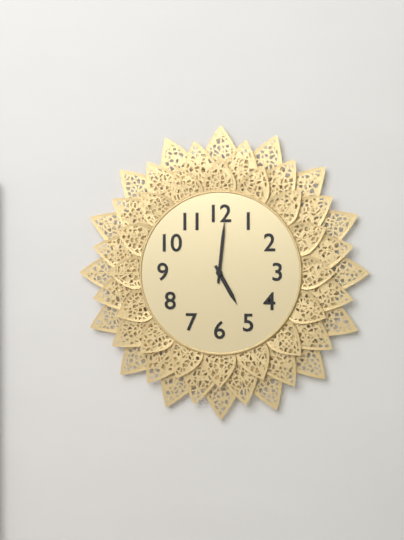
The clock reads 5h01
